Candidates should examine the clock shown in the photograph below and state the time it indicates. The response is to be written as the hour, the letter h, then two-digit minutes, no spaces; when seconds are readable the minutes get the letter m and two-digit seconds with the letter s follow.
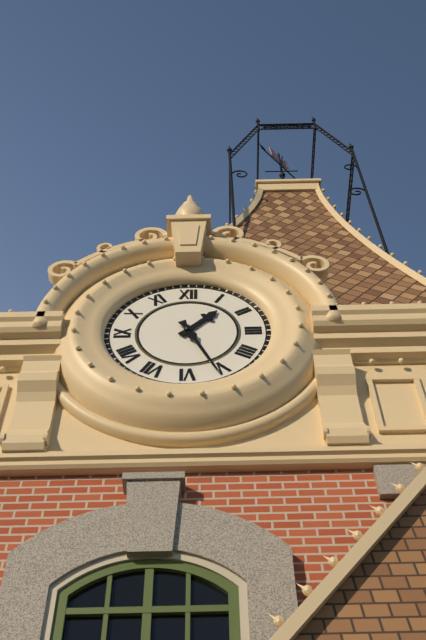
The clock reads 1h26
